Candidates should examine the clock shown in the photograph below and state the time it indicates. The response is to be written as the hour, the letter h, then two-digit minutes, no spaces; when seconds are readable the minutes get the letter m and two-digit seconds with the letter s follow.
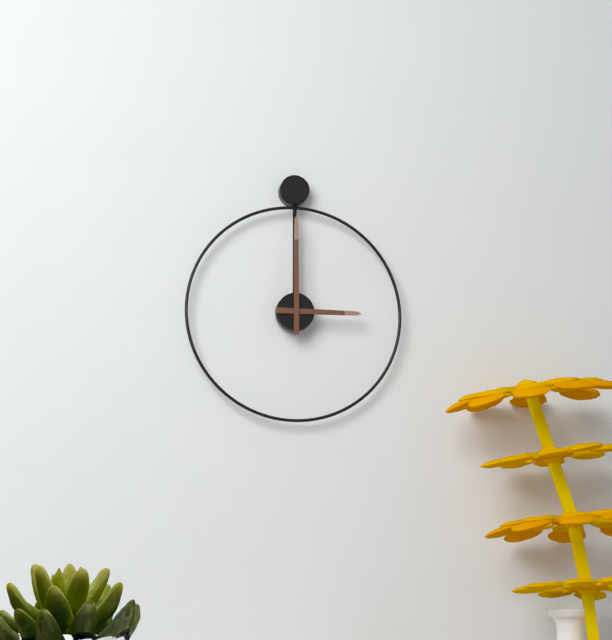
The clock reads 3h00
